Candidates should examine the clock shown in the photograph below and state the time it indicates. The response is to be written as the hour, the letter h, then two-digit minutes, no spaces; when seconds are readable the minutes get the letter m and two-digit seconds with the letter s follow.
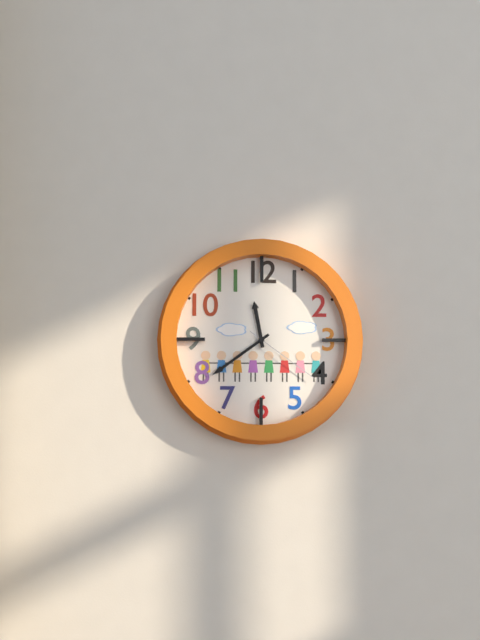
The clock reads 11h39m21s
